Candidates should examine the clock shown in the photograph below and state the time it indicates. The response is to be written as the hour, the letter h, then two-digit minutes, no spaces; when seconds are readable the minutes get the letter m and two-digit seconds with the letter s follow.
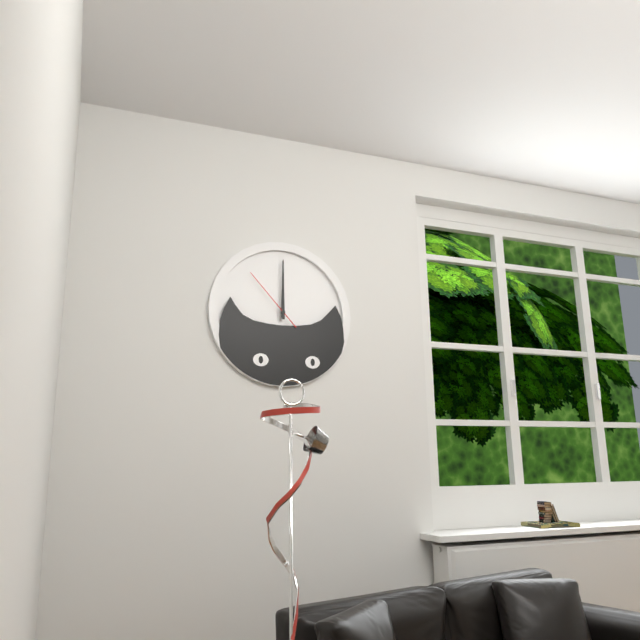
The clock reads 12h00m53s
